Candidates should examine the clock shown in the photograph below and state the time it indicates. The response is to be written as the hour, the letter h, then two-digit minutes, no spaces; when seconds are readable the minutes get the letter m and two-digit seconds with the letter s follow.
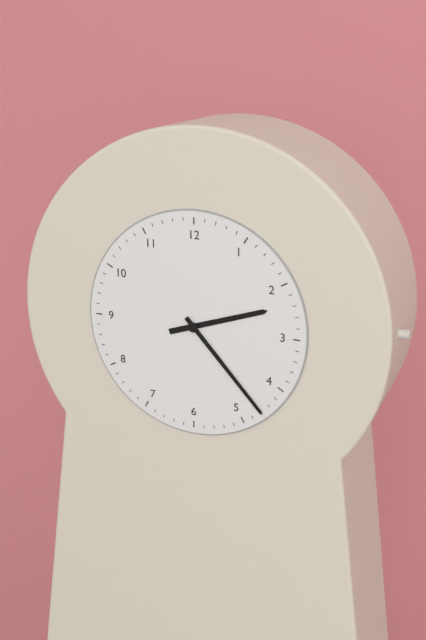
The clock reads 2h23
